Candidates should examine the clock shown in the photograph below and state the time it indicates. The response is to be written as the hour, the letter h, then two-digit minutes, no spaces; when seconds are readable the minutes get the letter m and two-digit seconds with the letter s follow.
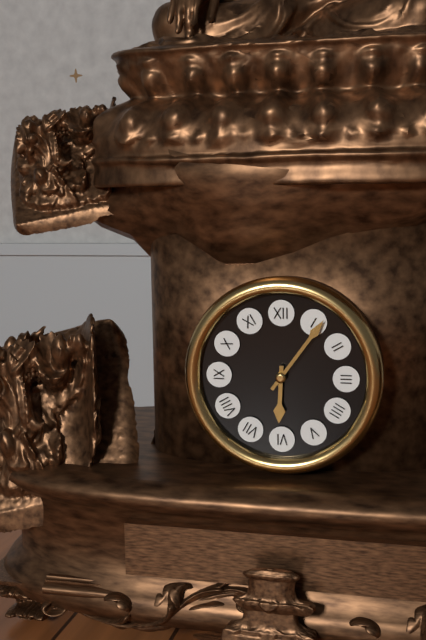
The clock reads 6h06
